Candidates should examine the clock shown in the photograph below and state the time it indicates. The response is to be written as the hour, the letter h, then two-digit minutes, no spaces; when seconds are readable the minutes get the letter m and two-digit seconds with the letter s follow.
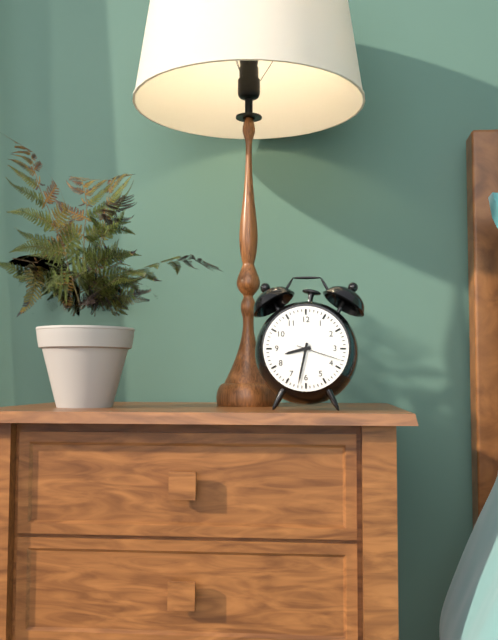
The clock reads 8h32
